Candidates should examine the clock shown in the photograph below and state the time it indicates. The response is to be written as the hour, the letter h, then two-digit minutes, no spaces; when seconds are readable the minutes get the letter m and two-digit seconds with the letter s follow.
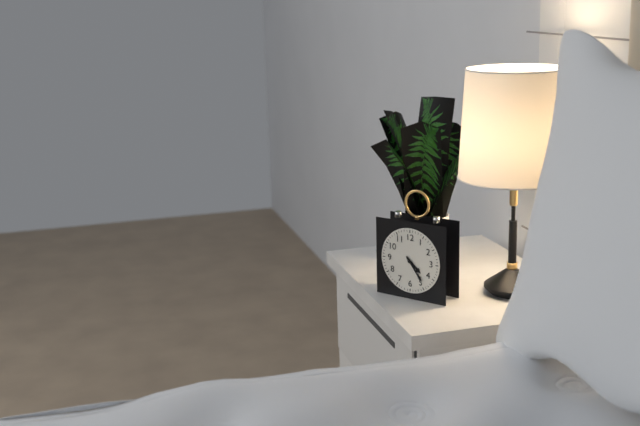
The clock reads 4h24
